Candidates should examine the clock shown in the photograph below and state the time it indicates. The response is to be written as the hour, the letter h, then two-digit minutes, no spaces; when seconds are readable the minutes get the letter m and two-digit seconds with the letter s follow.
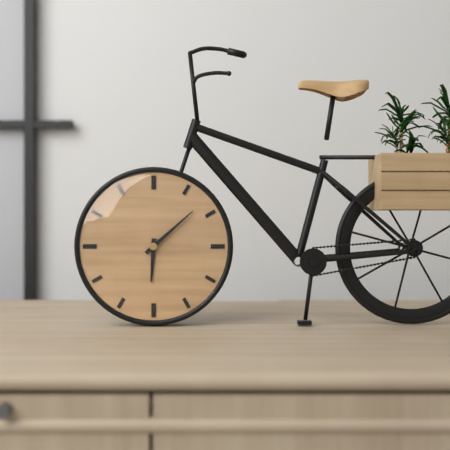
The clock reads 6h08
